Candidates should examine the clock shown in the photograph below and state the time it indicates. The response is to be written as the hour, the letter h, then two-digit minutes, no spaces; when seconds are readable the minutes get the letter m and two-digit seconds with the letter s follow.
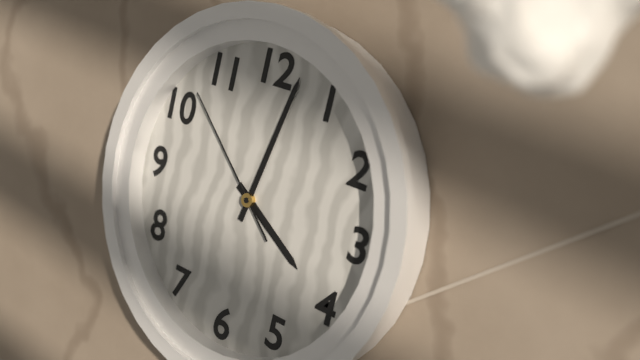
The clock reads 4h02m52s
